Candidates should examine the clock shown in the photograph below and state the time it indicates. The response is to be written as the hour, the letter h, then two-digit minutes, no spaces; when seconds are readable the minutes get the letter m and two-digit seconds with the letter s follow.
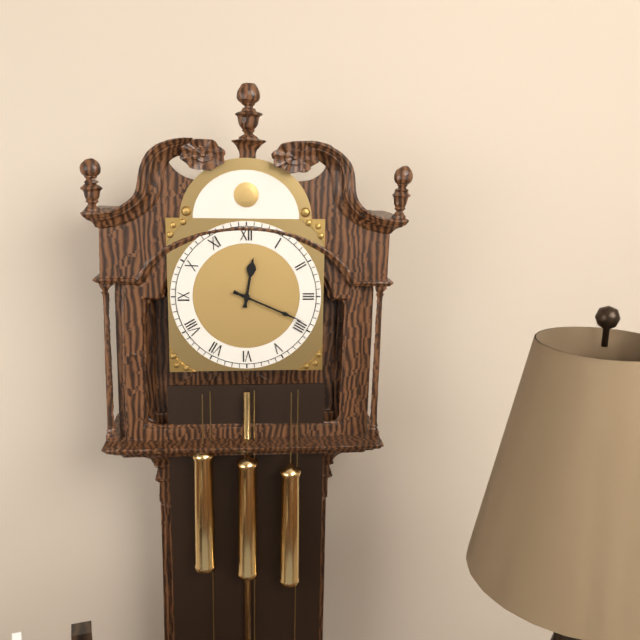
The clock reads 12h19
